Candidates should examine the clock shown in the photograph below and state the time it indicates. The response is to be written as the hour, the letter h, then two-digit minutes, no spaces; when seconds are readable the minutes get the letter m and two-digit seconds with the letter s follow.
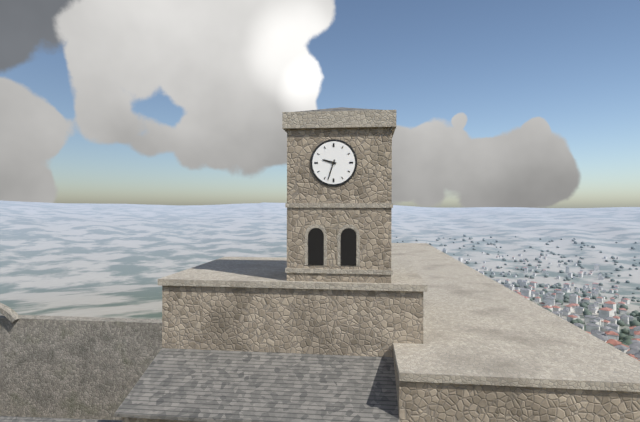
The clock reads 9h33
